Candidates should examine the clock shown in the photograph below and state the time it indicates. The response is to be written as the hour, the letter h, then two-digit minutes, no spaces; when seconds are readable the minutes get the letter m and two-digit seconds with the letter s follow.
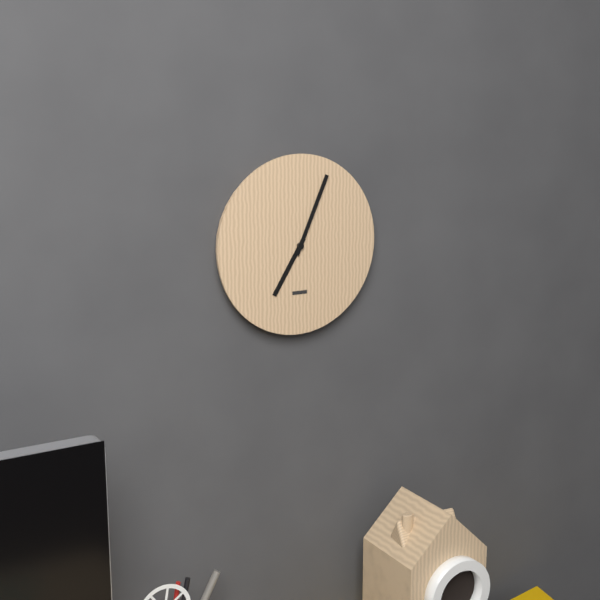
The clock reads 7h04
